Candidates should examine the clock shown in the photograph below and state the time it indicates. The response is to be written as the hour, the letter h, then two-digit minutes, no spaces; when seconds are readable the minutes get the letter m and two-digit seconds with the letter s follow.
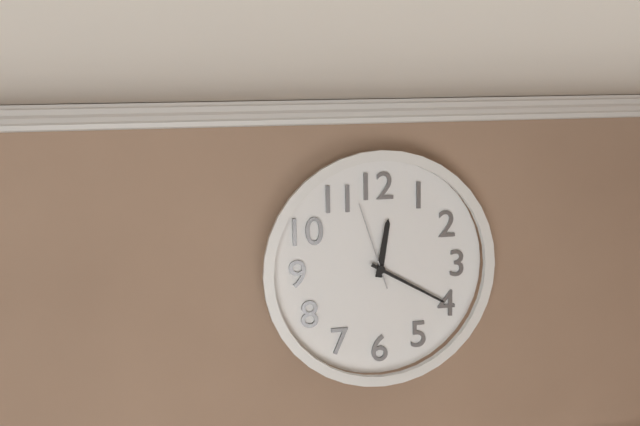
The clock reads 12h20m57s
